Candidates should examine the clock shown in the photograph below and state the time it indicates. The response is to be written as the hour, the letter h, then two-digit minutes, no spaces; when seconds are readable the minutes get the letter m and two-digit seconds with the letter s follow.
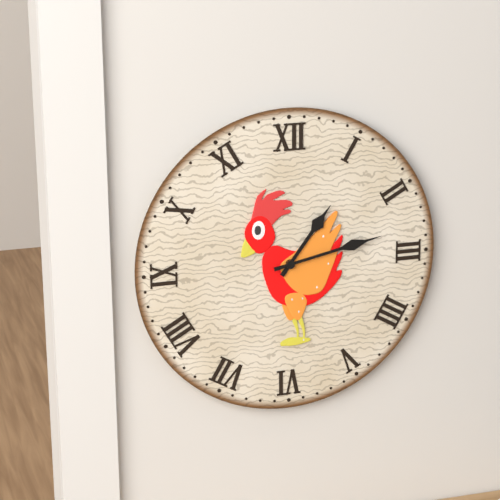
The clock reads 1h13
